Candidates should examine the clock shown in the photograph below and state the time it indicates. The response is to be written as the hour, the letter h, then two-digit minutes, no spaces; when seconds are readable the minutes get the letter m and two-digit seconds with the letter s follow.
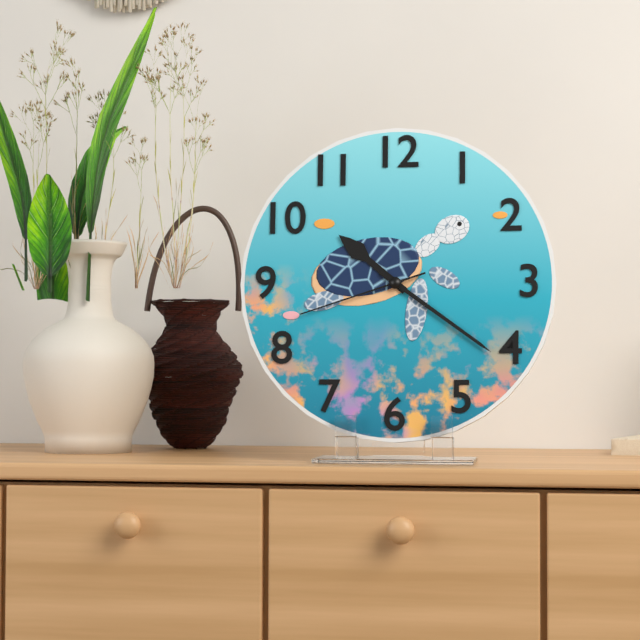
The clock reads 10h21m42s
